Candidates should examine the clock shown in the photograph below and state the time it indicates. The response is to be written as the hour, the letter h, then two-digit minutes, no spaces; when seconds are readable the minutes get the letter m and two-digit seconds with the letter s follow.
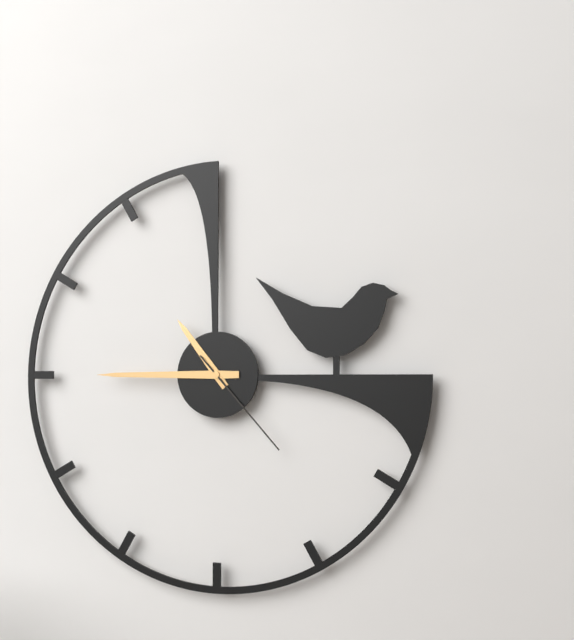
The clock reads 10h45m23s
